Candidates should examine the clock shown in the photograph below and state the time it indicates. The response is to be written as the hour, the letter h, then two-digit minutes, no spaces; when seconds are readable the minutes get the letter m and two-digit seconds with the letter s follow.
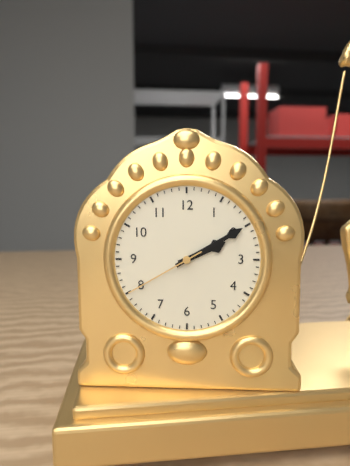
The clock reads 2h10m40s
